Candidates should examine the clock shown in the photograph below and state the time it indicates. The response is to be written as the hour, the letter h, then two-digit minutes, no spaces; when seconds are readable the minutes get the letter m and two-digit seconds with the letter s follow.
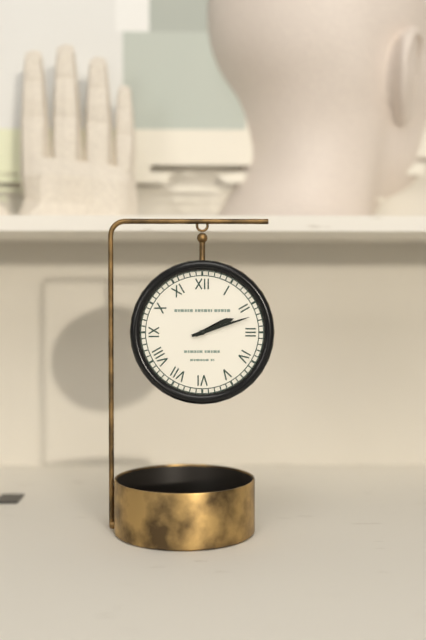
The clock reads 2h12
